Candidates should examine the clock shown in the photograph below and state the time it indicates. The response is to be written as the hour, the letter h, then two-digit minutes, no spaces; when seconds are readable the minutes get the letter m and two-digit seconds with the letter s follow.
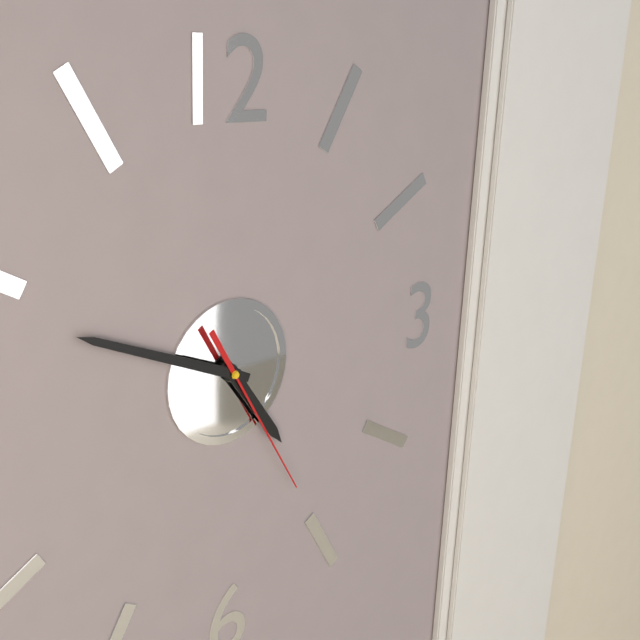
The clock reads 4h49m25s
